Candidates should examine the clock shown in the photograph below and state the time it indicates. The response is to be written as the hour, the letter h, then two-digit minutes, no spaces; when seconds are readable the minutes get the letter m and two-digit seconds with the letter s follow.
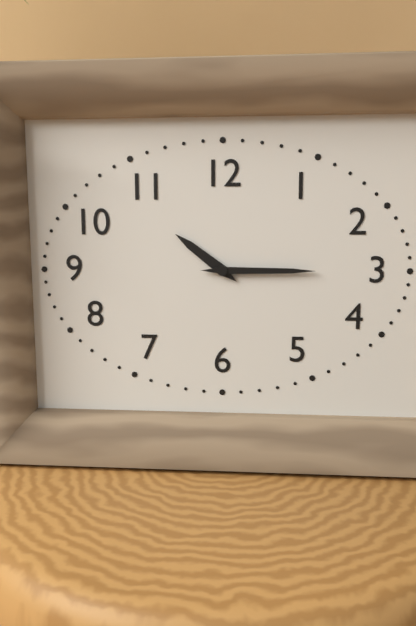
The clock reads 10h15
